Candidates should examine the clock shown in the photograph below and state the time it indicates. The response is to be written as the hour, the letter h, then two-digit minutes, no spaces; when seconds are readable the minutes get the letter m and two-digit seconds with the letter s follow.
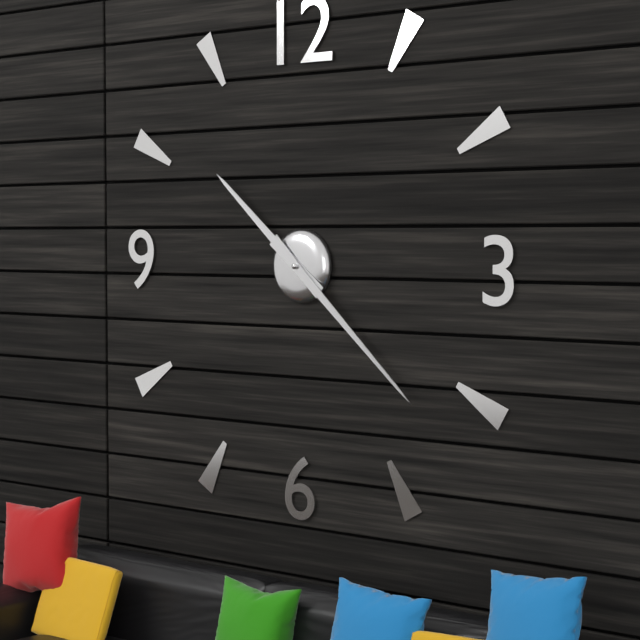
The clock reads 10h22
